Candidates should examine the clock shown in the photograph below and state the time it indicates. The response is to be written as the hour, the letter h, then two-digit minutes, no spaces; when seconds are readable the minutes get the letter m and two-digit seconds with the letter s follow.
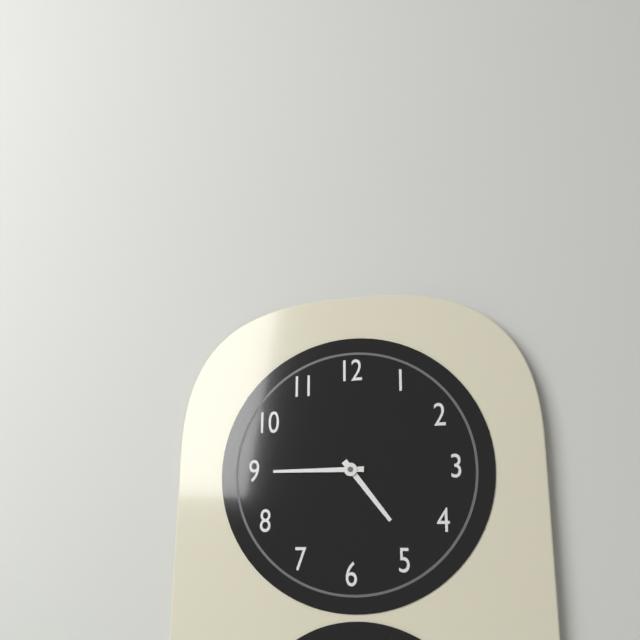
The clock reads 4h45
